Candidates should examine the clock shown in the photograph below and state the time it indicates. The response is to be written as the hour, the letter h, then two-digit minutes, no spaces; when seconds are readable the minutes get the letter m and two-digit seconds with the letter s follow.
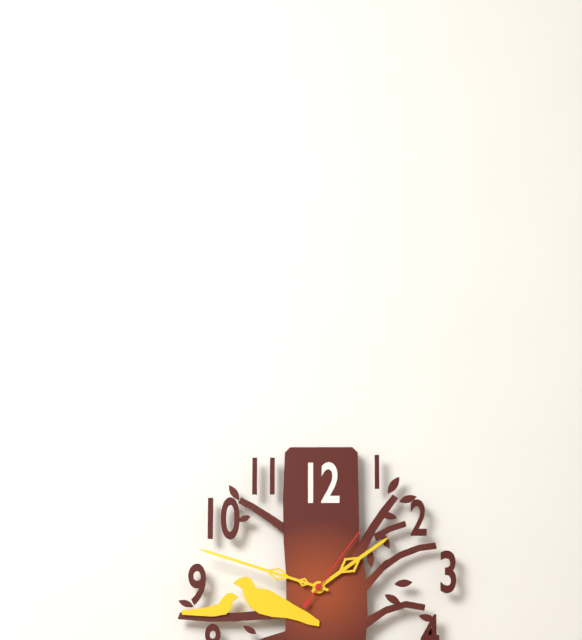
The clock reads 1h48m06s
